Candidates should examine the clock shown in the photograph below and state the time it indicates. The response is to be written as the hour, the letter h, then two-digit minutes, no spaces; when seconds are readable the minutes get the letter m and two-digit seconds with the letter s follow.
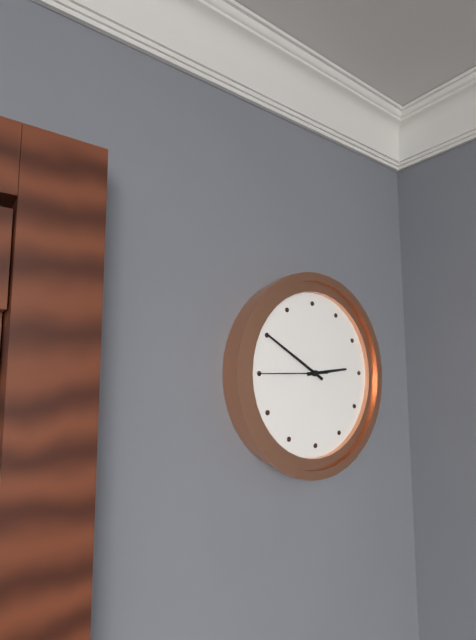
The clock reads 2h50m45s
